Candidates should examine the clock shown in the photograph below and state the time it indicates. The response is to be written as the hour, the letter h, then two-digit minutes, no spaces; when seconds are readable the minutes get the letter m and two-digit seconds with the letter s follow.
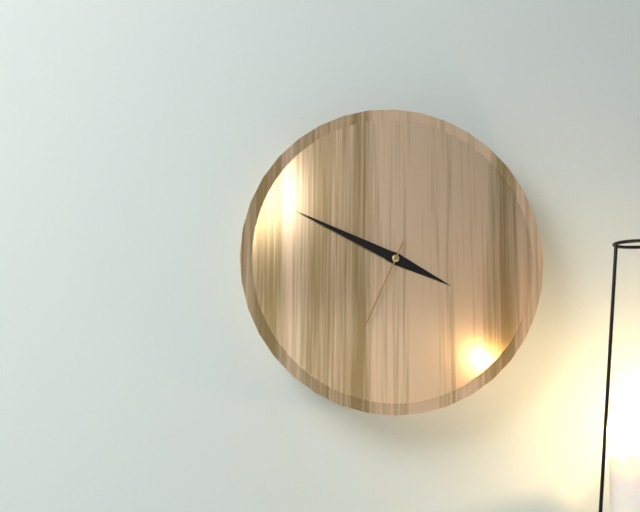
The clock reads 3h49m34s
